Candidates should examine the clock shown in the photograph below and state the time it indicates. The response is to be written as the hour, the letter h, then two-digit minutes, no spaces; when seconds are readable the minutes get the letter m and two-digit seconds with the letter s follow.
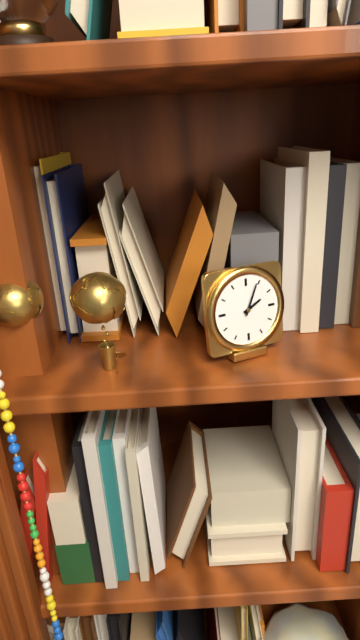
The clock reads 2h04
